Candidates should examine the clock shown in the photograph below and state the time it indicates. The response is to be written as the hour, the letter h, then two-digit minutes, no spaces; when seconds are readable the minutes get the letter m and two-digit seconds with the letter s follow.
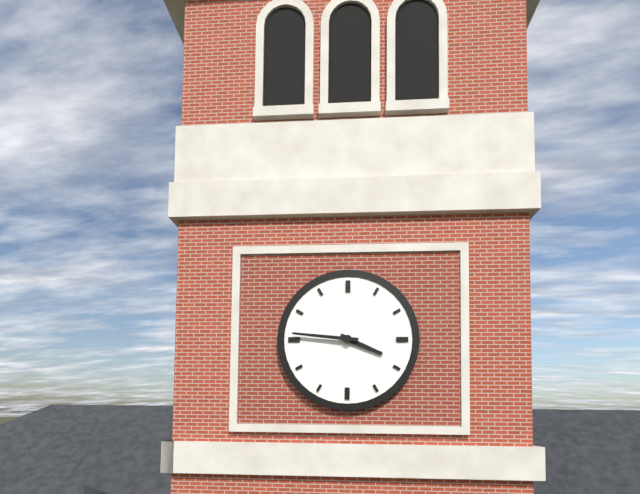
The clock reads 3h46
